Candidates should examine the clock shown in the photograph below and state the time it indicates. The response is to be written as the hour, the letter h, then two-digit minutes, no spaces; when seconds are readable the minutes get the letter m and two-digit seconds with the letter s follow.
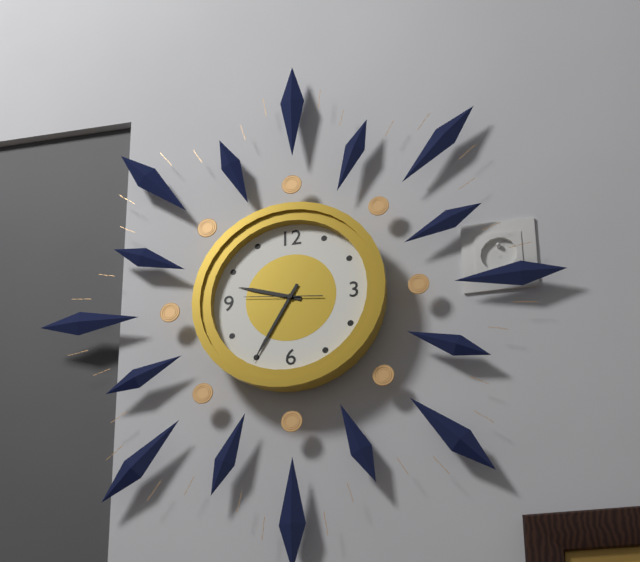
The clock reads 9h35m46s
